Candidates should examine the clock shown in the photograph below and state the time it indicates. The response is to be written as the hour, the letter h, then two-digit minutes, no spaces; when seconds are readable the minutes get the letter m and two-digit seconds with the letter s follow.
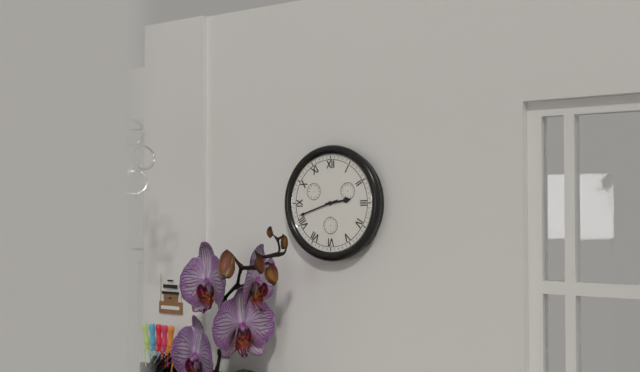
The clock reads 2h42
